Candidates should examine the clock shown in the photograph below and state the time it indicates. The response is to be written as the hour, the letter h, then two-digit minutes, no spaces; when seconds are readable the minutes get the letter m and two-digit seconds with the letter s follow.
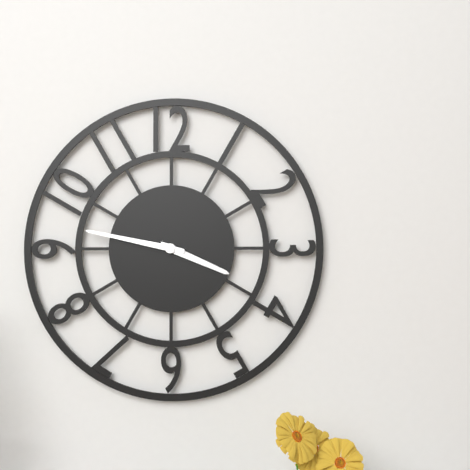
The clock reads 3h47
